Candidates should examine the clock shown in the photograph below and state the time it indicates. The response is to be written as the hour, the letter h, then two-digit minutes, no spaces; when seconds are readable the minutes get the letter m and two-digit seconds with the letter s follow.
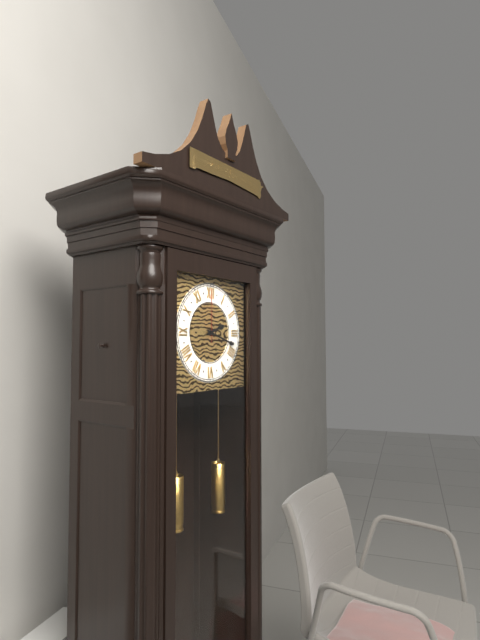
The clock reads 2h18m00s
